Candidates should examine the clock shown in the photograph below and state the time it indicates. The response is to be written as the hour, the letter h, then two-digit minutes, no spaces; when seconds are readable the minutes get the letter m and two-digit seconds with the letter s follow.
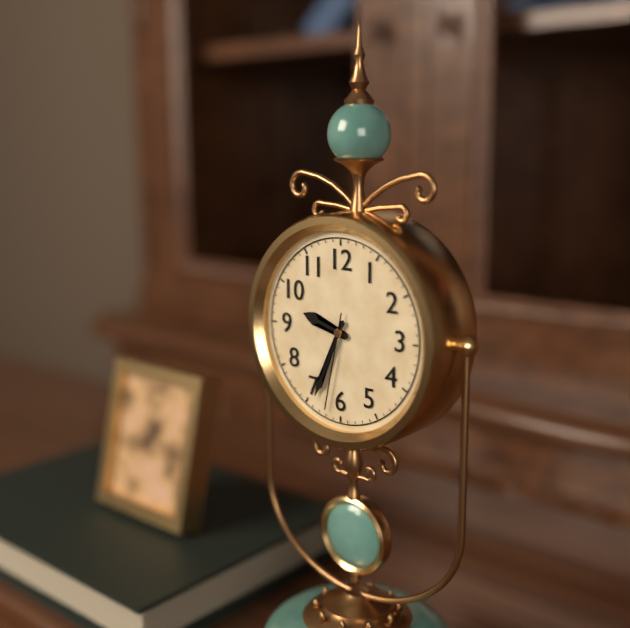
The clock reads 9h34m32s
